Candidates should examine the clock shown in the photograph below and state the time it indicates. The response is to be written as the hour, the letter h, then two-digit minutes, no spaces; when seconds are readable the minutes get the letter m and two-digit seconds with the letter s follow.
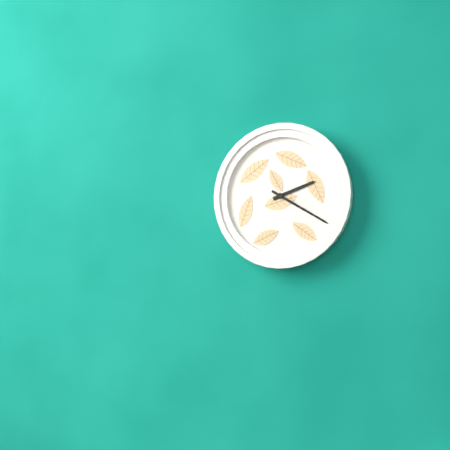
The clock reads 2h20
